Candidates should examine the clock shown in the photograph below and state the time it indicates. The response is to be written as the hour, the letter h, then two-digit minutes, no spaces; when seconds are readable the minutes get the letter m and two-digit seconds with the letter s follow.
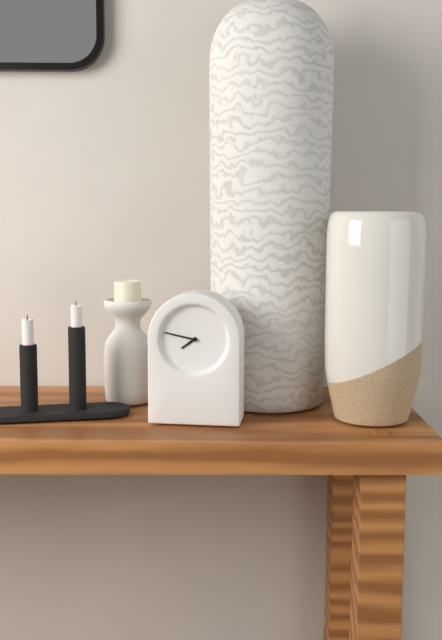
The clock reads 7h47
